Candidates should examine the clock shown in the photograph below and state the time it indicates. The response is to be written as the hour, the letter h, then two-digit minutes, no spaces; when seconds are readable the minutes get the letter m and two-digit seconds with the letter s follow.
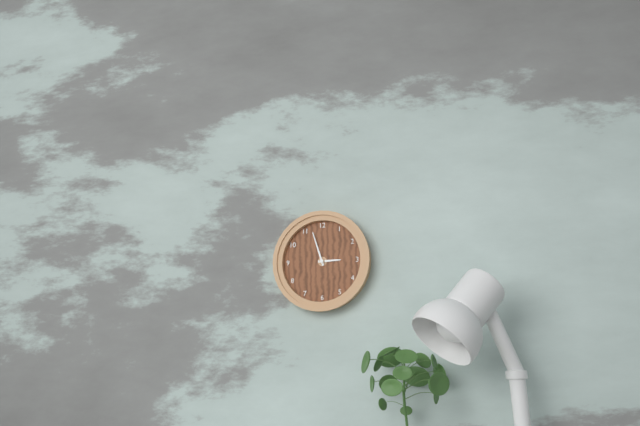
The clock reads 2h57
